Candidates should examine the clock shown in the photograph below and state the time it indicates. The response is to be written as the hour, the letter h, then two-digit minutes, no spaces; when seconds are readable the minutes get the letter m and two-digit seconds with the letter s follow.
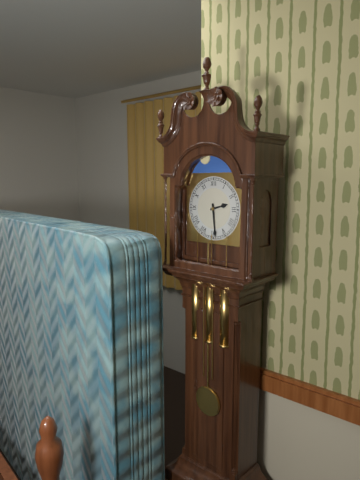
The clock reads 2h29
